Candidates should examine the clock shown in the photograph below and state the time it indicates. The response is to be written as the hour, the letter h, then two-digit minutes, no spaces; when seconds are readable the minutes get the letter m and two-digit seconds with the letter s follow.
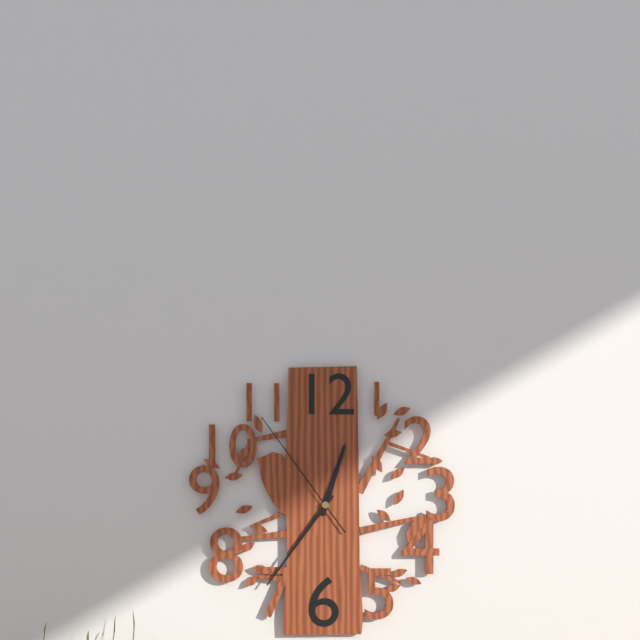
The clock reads 12h36m54s
